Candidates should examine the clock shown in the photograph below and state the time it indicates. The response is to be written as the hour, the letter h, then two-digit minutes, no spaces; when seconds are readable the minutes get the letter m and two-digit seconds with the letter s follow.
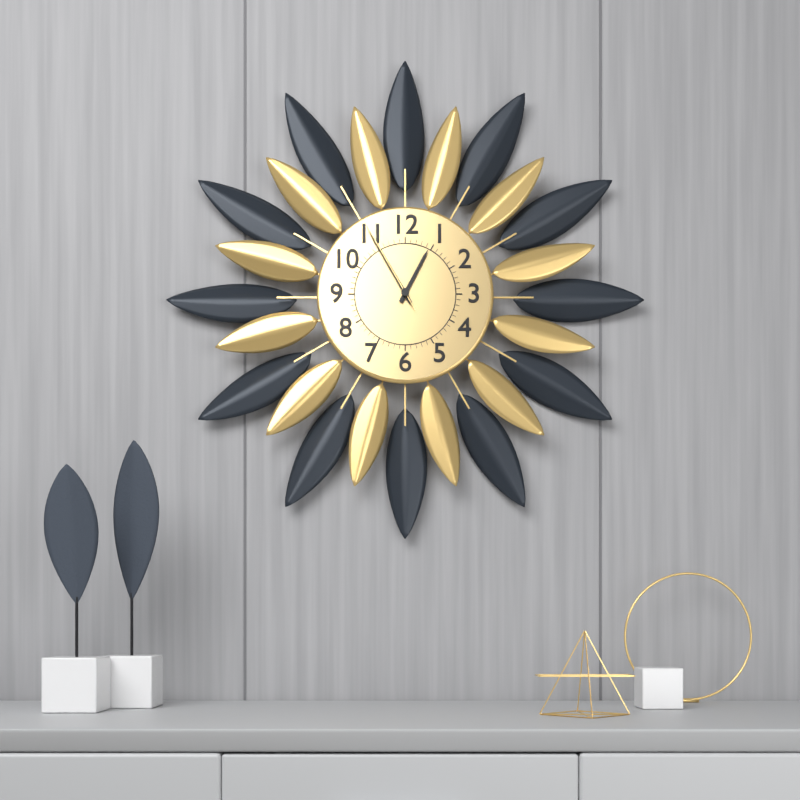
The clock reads 12h55m55s
